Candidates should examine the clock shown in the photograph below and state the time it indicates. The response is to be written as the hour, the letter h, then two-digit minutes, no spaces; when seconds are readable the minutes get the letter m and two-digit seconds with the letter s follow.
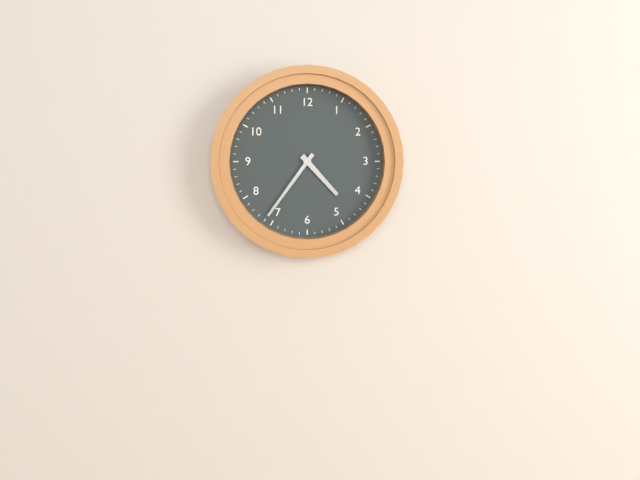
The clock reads 4h36
